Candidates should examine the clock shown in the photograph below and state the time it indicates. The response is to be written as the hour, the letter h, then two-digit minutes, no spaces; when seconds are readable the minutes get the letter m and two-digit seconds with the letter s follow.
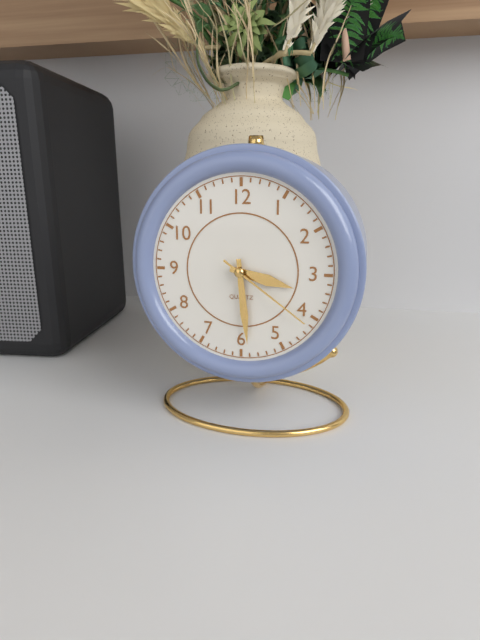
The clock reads 3h29m21s
